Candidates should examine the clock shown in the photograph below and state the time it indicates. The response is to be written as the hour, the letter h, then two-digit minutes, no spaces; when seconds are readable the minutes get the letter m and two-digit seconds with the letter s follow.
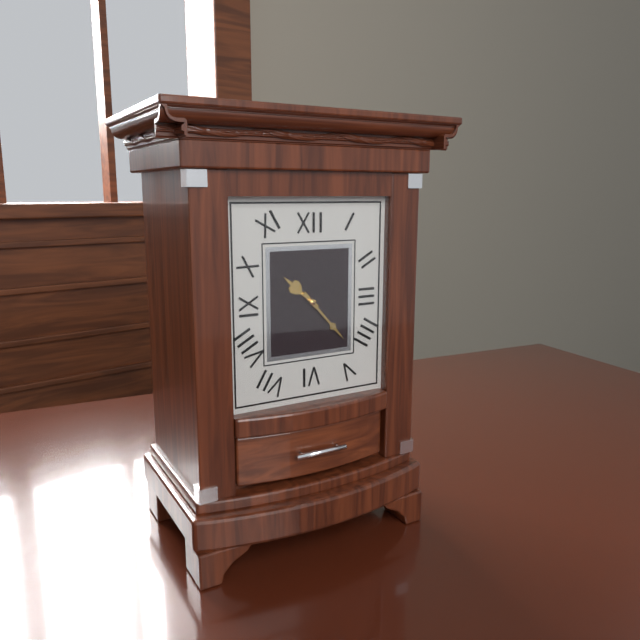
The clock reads 10h23
